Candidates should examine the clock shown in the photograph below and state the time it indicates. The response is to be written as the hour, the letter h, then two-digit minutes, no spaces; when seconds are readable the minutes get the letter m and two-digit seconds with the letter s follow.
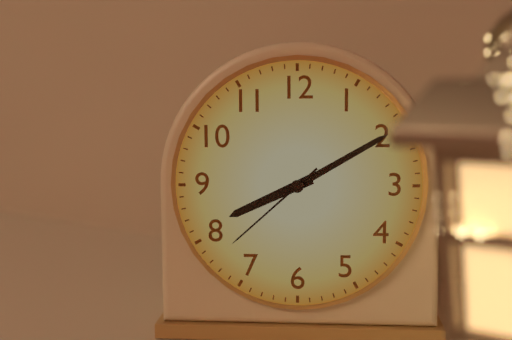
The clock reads 8h10m38s
